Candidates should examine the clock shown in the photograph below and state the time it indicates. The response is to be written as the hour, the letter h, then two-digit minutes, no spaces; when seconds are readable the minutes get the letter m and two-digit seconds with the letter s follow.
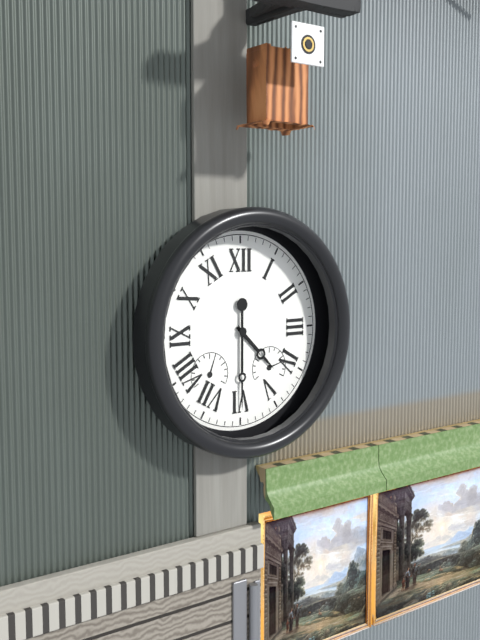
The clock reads 4h30
